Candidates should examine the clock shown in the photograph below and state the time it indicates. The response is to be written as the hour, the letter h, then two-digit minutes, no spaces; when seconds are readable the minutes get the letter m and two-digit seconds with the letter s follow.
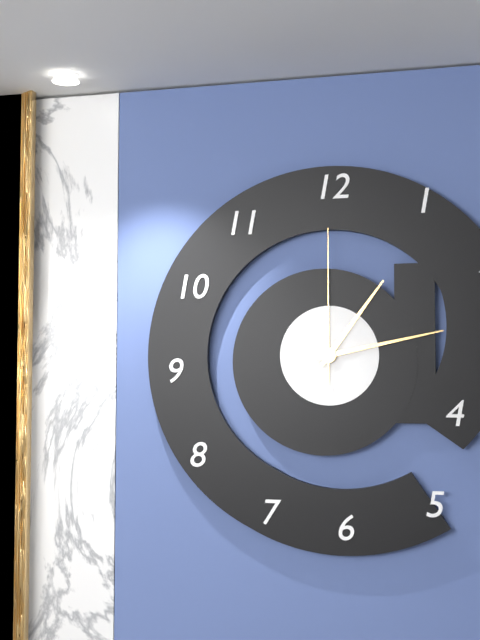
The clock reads 1h13m00s
